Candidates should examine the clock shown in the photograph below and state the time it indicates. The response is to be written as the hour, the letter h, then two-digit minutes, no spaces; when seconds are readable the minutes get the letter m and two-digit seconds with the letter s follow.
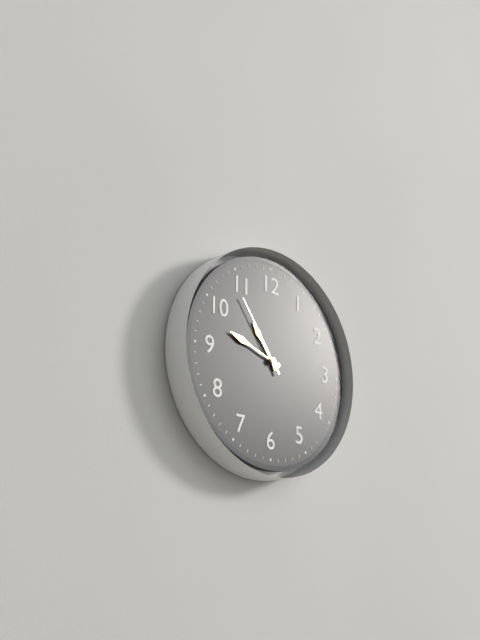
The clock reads 10h48m54s
